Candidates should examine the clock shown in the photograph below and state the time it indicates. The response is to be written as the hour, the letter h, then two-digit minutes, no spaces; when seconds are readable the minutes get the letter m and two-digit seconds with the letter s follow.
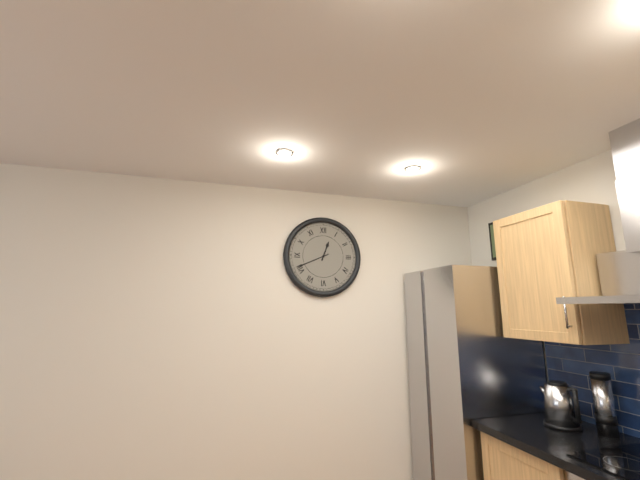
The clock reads 12h41
